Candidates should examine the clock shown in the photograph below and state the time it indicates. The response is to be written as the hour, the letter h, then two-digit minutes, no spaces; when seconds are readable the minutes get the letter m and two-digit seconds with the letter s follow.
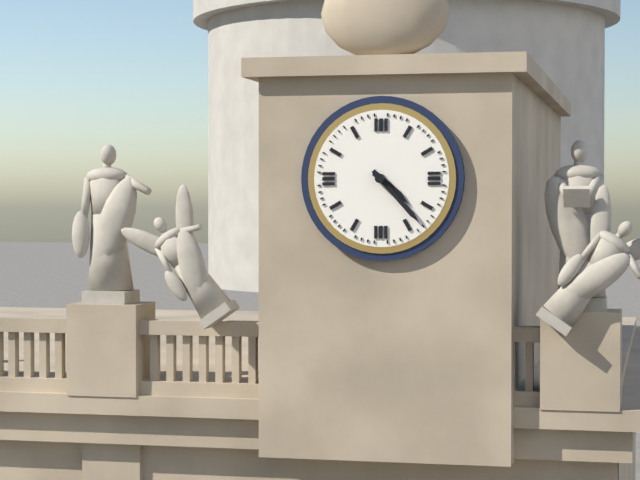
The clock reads 4h23
